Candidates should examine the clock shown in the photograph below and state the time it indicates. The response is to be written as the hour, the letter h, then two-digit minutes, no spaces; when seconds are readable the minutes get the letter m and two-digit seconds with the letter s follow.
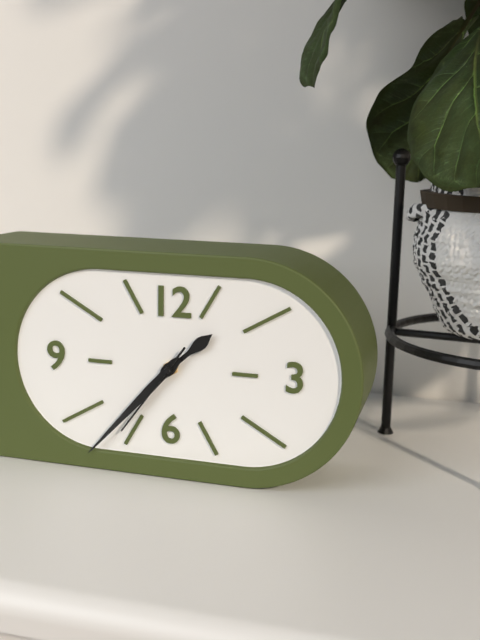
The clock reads 1h37m36s
